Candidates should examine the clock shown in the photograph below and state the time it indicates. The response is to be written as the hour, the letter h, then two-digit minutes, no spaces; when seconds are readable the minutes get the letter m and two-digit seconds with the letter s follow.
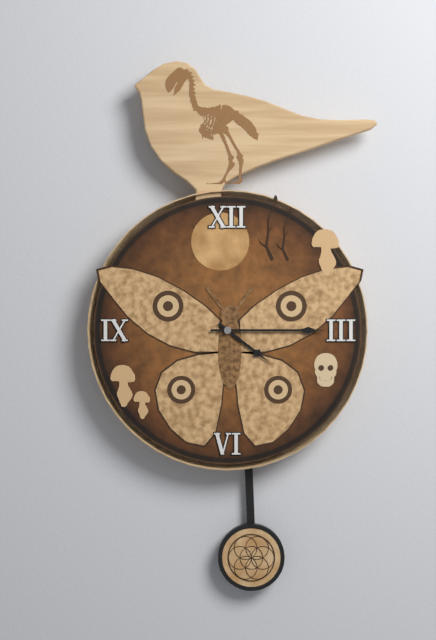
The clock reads 4h15
